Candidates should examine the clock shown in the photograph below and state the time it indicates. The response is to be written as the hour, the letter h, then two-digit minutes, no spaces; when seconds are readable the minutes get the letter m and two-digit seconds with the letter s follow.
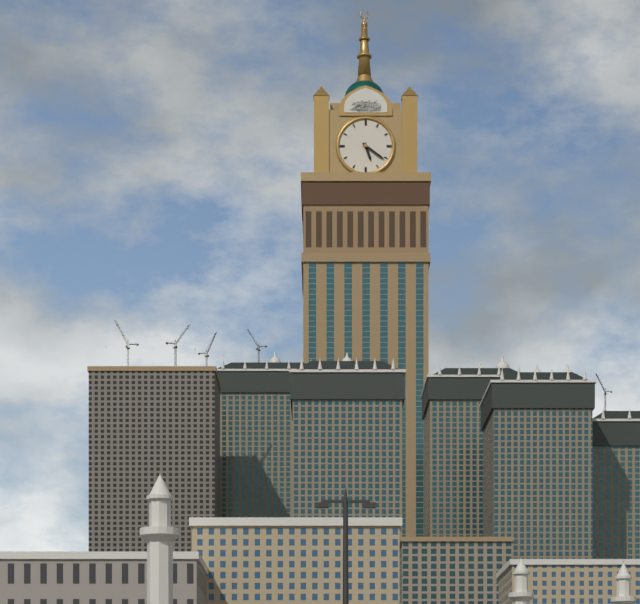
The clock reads 5h21
